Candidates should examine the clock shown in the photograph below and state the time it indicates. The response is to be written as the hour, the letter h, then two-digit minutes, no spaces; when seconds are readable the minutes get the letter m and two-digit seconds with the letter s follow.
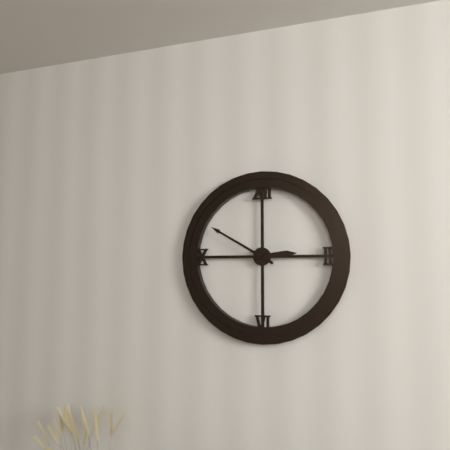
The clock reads 2h50
